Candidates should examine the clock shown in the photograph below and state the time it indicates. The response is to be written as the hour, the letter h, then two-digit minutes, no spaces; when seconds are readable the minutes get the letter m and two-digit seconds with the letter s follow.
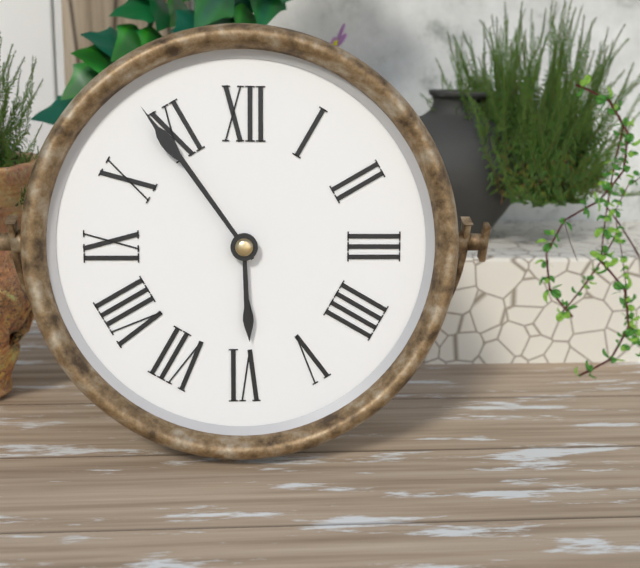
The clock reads 5h54
